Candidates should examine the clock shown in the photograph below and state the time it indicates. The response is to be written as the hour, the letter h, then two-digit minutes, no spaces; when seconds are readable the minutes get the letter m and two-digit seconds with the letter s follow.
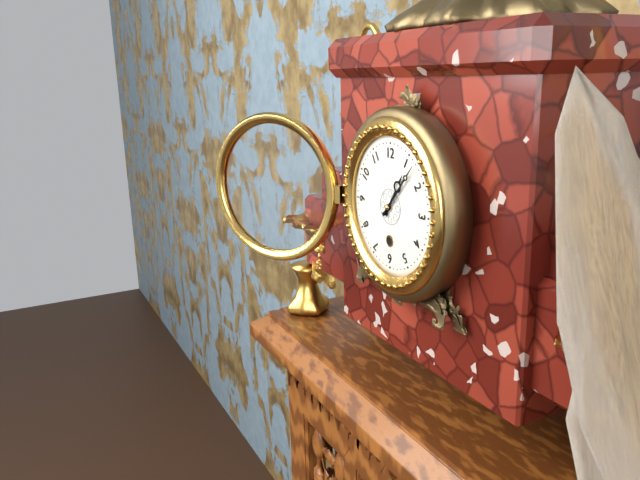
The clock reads 1h07
